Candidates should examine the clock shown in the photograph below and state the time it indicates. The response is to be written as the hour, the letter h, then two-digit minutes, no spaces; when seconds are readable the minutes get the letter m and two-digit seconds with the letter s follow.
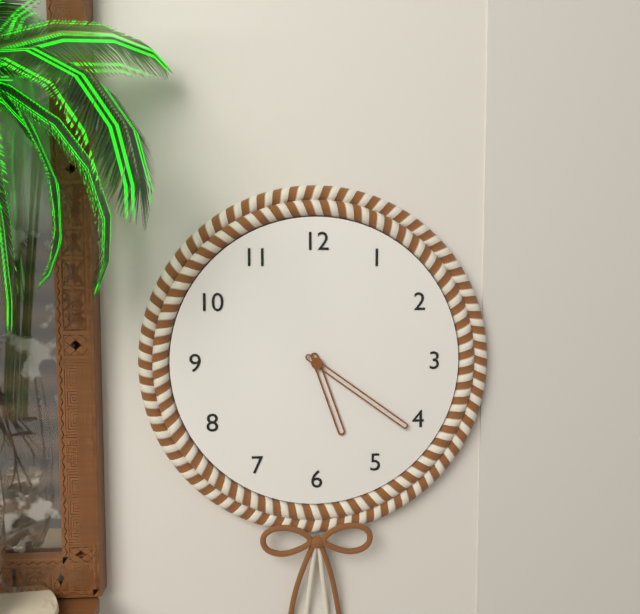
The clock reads 5h21
